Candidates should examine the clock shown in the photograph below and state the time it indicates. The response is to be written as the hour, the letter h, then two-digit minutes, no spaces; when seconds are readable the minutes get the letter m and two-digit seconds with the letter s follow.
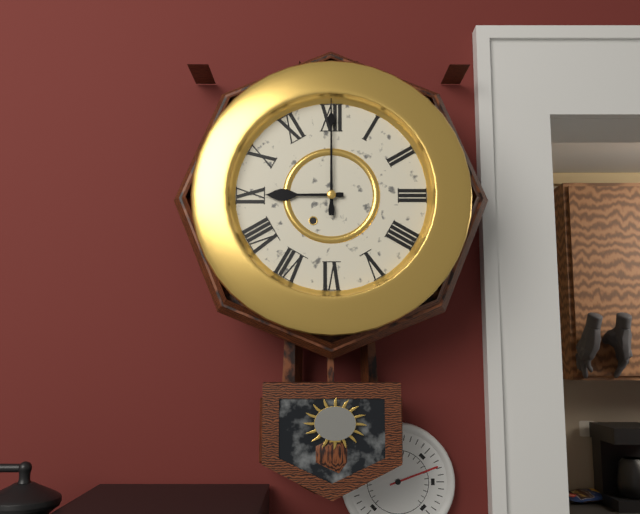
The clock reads 9h00
